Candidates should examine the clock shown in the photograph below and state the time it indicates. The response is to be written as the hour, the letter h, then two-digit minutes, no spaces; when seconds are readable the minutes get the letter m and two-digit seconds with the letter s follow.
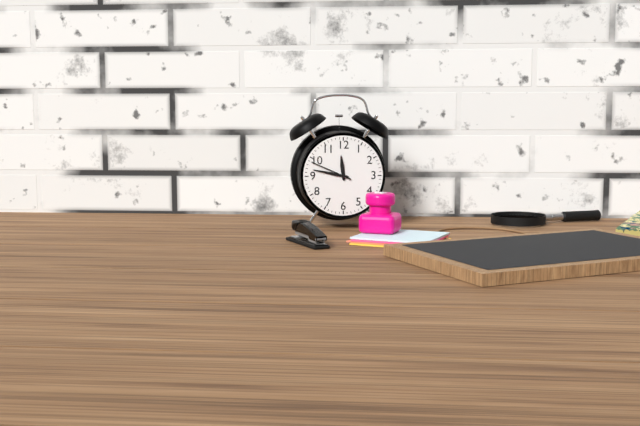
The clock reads 11h47
